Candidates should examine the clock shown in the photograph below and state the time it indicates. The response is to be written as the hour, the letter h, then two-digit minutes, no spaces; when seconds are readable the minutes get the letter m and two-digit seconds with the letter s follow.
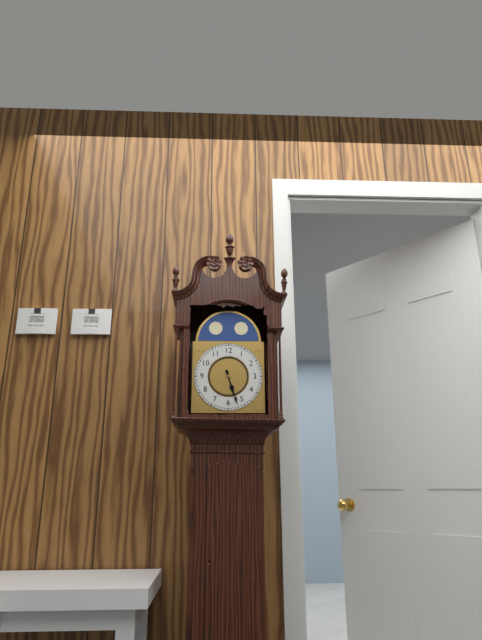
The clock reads 5h27
